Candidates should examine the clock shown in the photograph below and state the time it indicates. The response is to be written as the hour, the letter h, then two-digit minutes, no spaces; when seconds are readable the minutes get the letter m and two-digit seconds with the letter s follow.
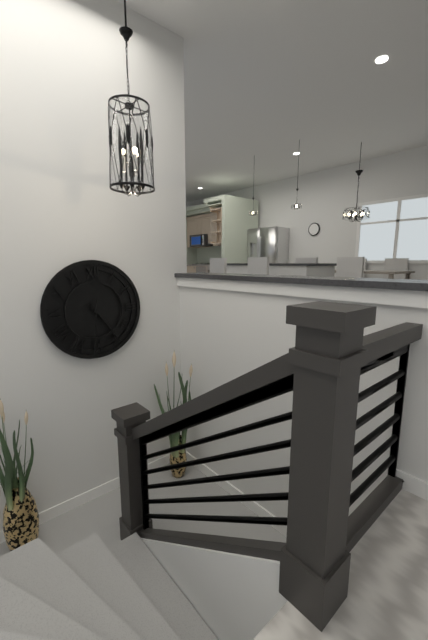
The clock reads 4h24m31s
